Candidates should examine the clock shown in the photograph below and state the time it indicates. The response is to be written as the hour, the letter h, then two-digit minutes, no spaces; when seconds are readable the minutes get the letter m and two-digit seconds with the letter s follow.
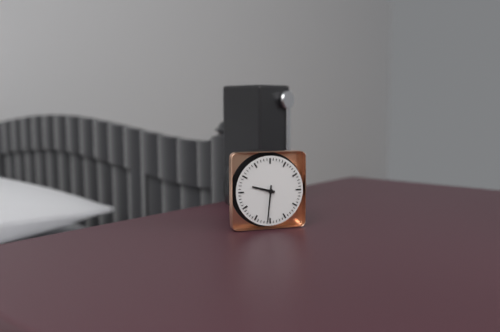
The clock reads 9h31
